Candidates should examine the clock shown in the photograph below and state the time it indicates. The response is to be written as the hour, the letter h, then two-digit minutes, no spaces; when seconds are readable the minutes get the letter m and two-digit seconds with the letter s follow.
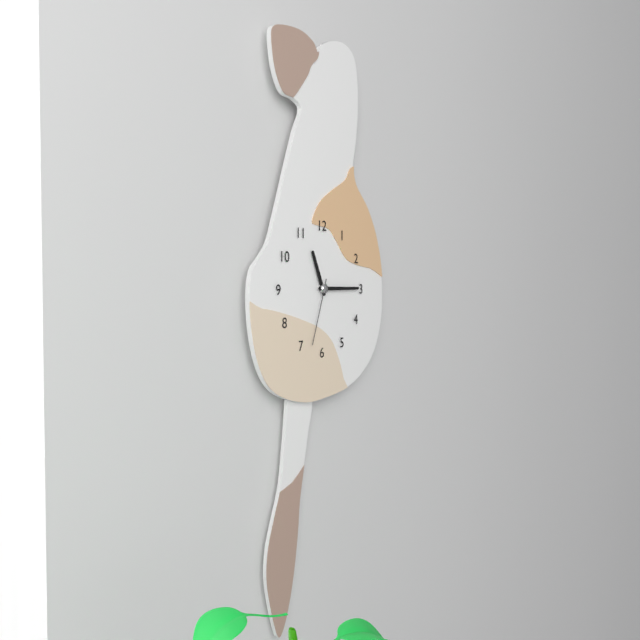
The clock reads 11h15m33s
